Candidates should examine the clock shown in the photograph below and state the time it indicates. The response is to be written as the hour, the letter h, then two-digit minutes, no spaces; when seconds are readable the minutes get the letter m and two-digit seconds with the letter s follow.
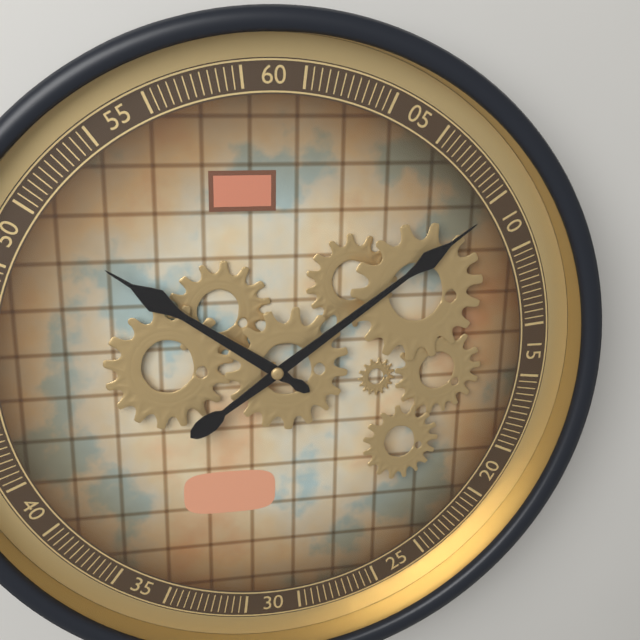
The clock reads 10h09
